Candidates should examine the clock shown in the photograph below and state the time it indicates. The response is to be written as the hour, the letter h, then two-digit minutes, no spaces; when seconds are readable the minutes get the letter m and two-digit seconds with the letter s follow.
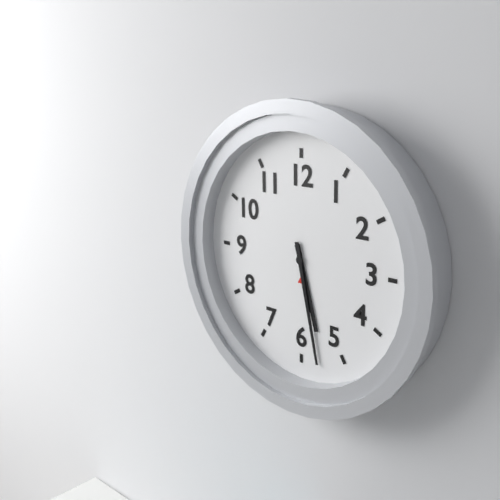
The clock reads 5h28
